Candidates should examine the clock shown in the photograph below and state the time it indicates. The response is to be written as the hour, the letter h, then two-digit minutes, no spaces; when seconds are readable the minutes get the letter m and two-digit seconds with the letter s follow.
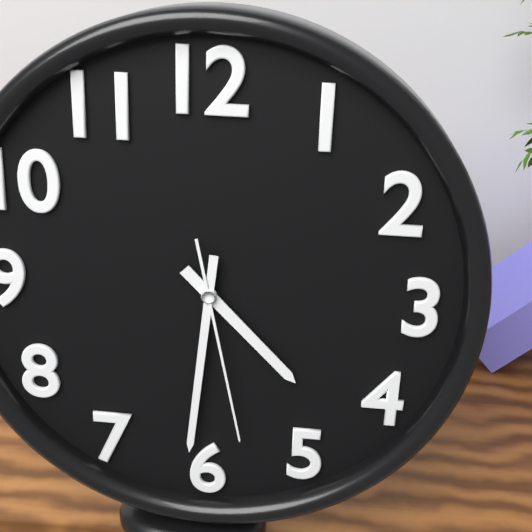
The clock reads 4h31m28s
